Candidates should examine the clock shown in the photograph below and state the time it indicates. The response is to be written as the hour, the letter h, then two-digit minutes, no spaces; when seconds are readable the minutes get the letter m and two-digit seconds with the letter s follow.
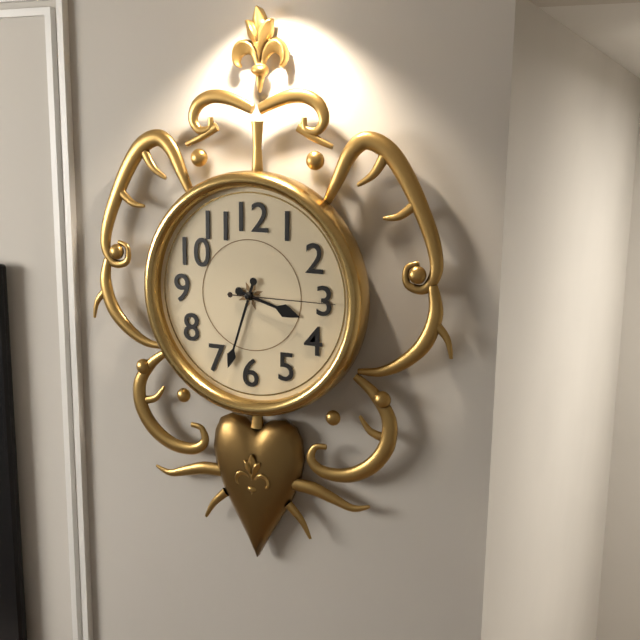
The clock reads 3h33m15s
